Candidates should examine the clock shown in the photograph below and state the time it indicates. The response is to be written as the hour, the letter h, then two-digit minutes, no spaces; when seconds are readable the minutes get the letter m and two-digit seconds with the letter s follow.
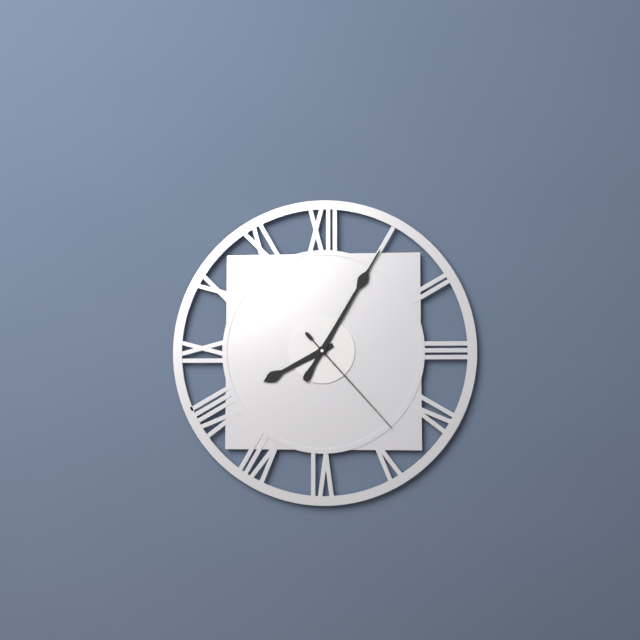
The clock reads 8h05m23s
